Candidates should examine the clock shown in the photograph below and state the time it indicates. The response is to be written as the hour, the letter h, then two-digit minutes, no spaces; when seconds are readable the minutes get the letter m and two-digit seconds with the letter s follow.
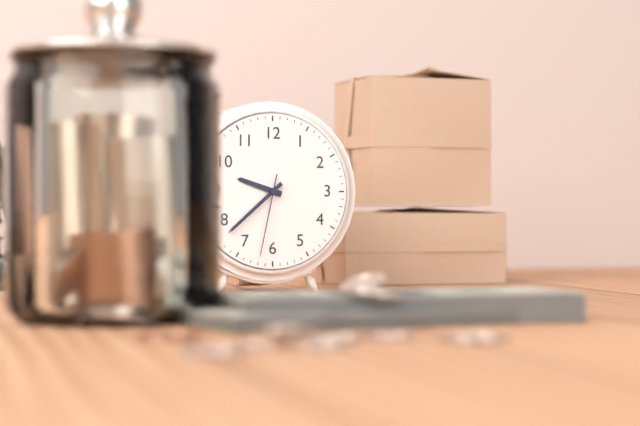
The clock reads 9h38m32s
